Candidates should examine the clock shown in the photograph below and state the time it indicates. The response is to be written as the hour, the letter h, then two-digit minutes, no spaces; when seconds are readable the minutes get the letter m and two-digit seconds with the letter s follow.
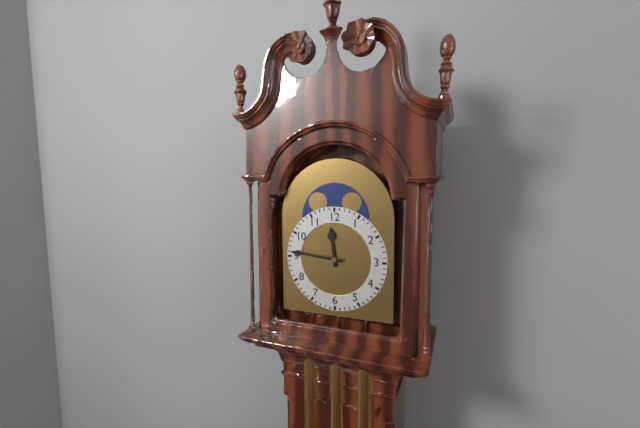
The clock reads 11h46
